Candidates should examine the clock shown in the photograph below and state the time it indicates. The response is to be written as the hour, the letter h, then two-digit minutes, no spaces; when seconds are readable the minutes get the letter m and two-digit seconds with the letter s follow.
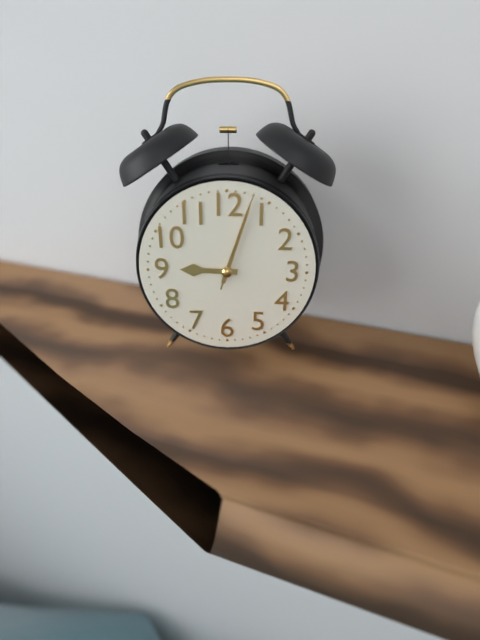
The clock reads 9h03m03s
